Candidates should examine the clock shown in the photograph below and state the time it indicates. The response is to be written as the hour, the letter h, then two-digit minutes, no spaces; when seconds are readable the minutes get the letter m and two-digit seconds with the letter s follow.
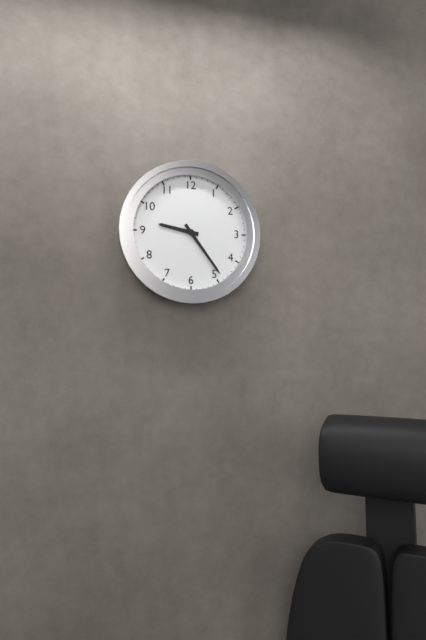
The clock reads 9h24
